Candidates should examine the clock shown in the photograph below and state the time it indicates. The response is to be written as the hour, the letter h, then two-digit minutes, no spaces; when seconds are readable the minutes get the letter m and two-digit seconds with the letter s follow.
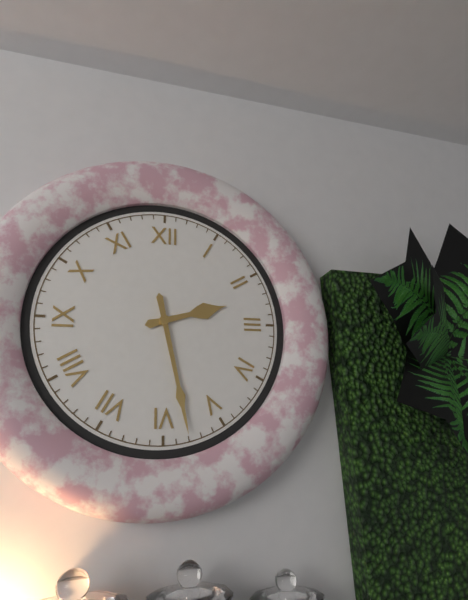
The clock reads 2h28
